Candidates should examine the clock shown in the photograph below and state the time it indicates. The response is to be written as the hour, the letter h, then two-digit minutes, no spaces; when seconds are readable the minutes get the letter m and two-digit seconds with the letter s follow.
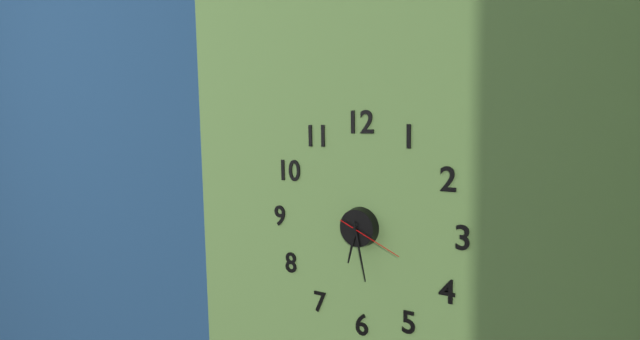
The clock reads 6h28m19s
